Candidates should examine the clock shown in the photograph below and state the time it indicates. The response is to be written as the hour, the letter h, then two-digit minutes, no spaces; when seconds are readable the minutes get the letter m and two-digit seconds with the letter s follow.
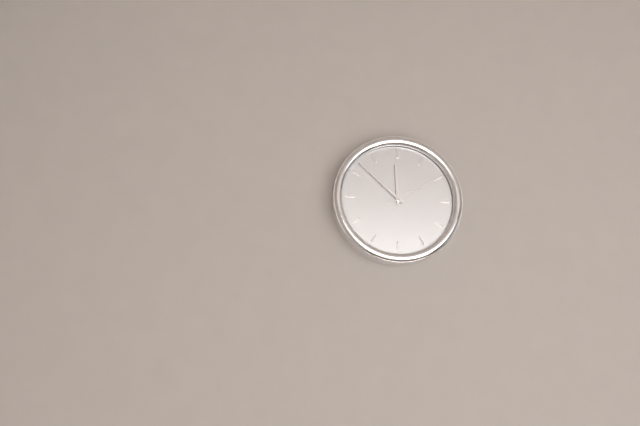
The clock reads 11h52m10s
